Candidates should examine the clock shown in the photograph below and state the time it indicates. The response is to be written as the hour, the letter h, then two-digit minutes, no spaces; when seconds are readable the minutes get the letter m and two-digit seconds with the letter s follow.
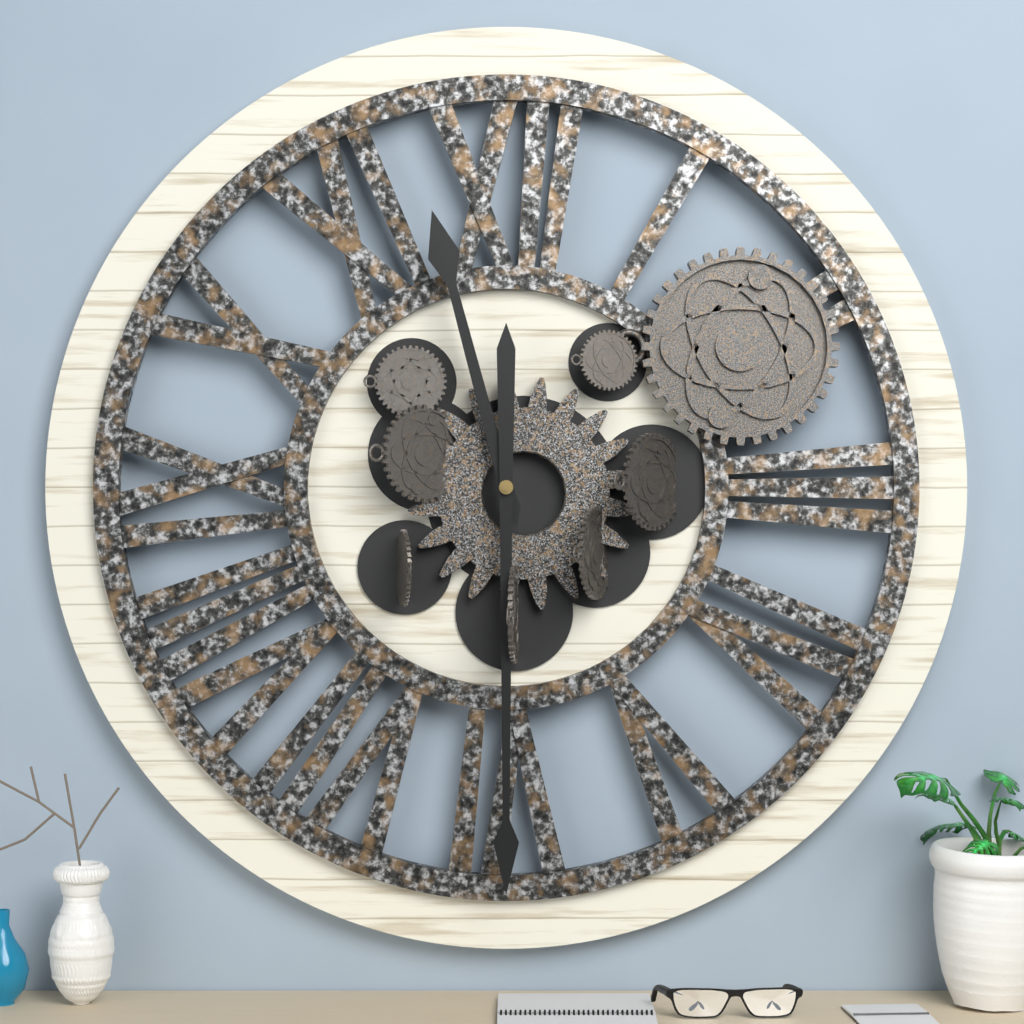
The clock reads 11h30
